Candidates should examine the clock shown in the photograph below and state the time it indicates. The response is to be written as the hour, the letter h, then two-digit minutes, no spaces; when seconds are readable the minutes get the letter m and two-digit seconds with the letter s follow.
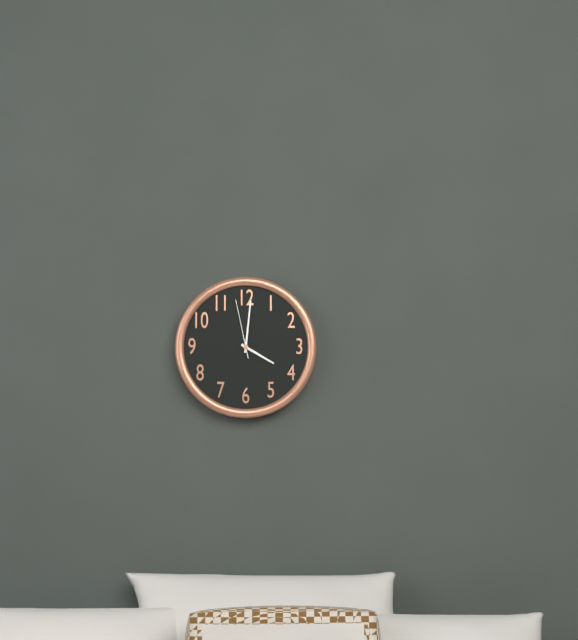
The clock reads 4h01m58s
